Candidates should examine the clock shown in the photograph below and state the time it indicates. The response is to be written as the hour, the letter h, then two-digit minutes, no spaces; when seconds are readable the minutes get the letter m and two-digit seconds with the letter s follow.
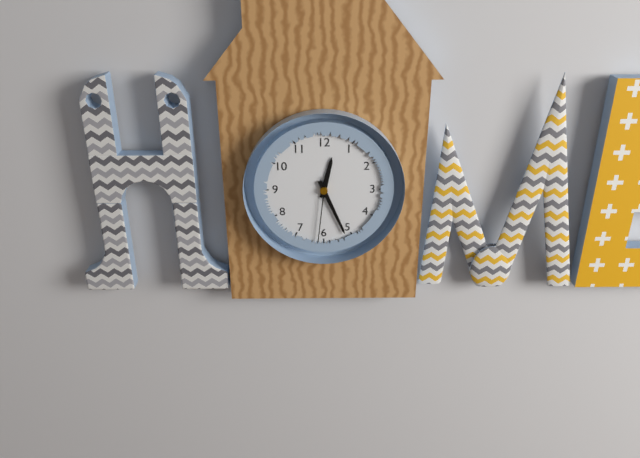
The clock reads 12h26m31s
